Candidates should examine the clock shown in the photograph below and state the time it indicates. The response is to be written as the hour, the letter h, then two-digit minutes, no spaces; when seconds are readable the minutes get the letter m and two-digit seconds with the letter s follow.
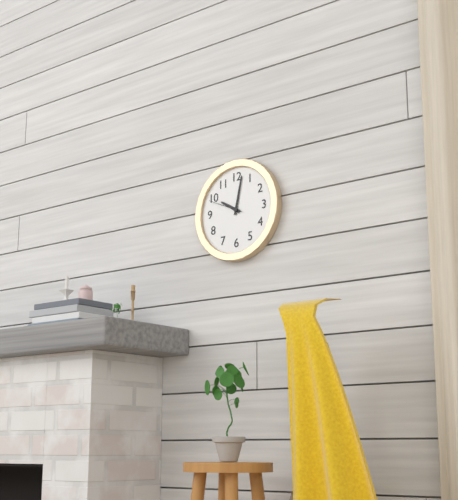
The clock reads 10h02
